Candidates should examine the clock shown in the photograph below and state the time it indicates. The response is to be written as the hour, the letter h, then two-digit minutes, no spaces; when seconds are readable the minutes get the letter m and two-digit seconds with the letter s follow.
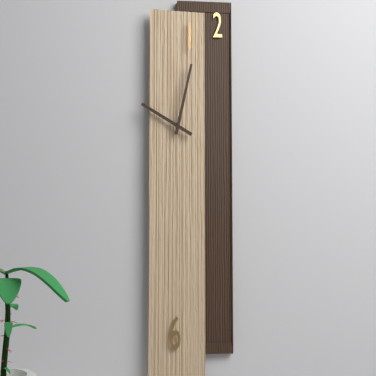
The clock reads 10h02
